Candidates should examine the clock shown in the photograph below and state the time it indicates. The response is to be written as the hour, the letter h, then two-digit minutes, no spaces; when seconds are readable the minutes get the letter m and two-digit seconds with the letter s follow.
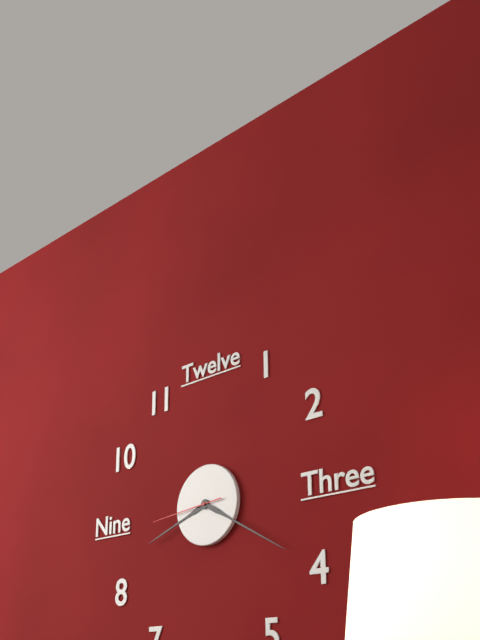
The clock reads 8h20m44s
